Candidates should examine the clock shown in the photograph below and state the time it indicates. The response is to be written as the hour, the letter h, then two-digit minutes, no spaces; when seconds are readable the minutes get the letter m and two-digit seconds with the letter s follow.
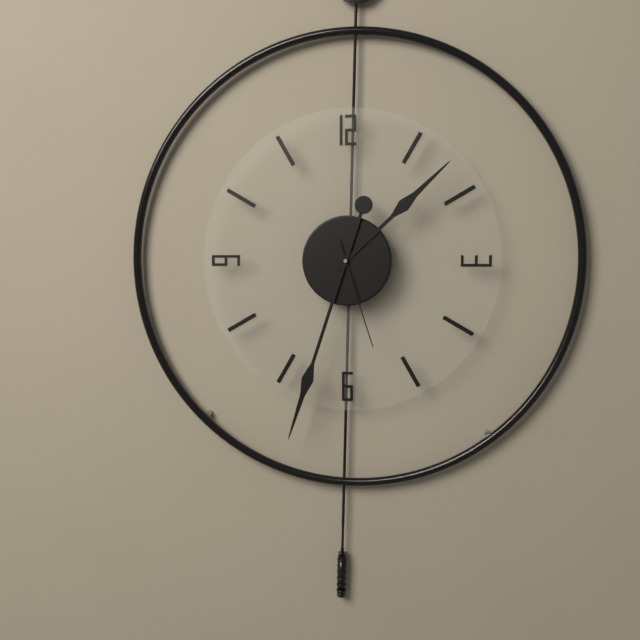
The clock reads 1h33m27s
